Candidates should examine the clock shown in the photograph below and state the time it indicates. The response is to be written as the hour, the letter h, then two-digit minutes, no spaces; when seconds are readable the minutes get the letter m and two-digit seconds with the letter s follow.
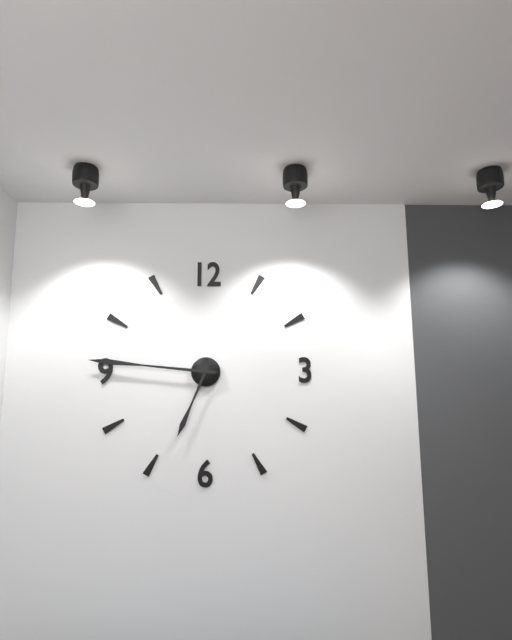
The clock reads 6h46
